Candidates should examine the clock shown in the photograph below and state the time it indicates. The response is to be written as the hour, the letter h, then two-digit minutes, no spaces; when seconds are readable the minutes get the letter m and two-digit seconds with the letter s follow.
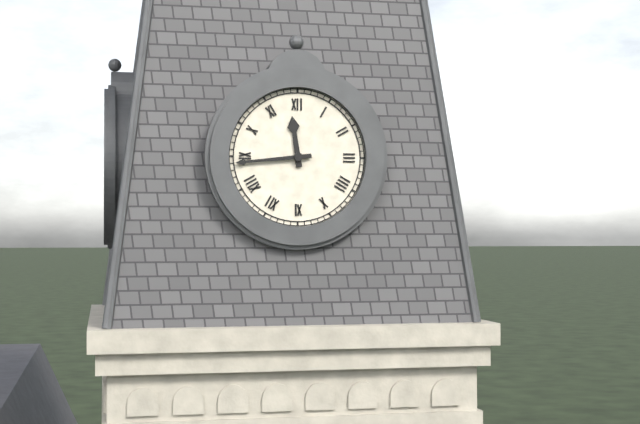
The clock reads 11h44
